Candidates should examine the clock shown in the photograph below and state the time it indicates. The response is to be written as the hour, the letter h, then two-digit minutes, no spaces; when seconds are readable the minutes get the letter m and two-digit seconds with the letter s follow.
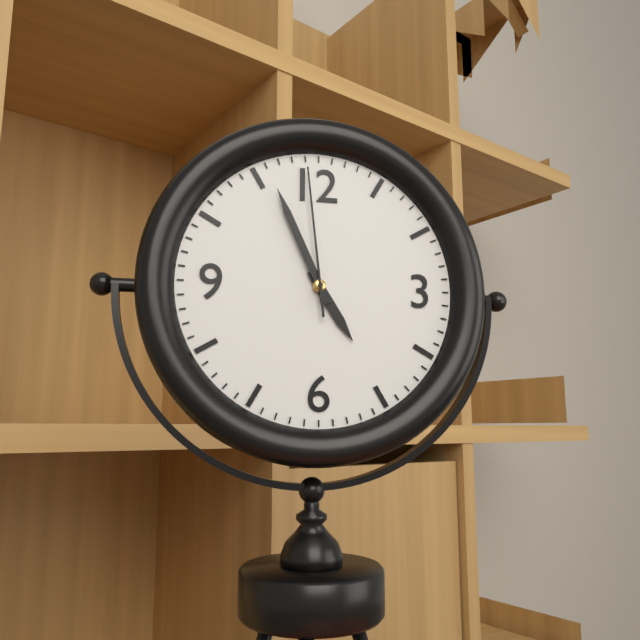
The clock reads 4h56m59s
